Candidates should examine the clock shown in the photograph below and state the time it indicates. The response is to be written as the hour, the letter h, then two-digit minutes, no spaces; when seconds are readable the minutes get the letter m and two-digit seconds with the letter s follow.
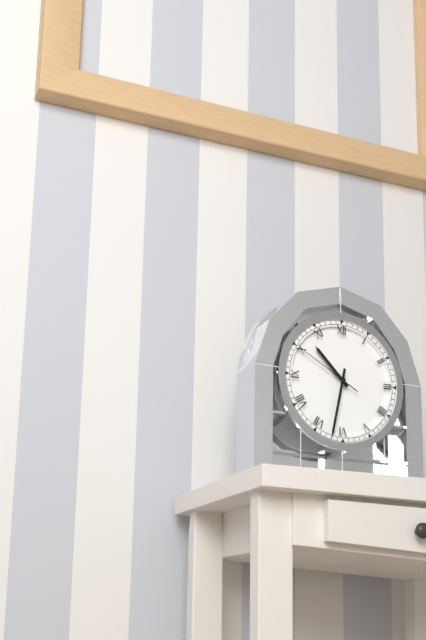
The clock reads 10h32m50s
